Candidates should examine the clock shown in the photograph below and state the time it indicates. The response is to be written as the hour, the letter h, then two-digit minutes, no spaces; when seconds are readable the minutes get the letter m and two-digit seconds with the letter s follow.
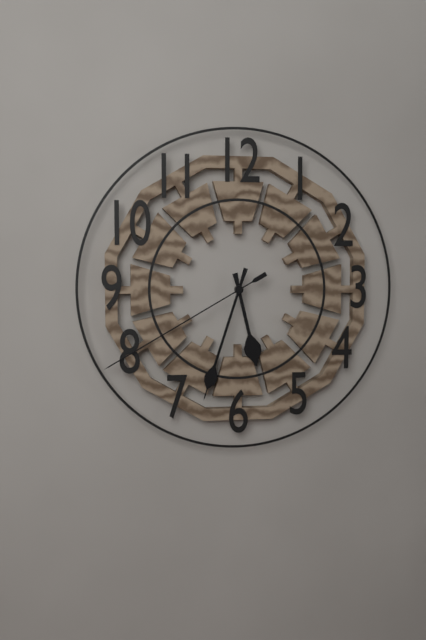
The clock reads 5h33m40s
